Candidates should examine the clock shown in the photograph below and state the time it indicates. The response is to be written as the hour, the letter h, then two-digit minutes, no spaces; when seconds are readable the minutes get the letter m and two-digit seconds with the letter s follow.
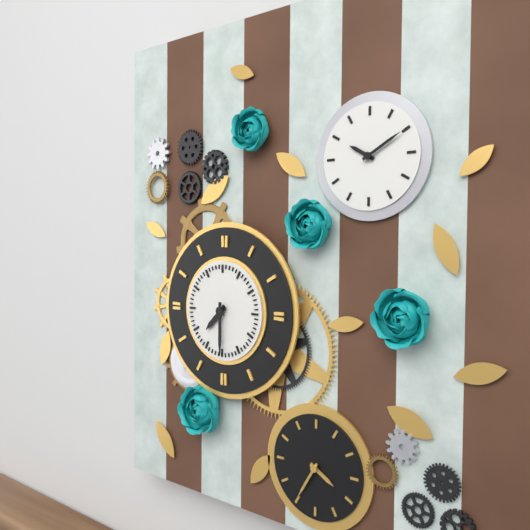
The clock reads 7h30
